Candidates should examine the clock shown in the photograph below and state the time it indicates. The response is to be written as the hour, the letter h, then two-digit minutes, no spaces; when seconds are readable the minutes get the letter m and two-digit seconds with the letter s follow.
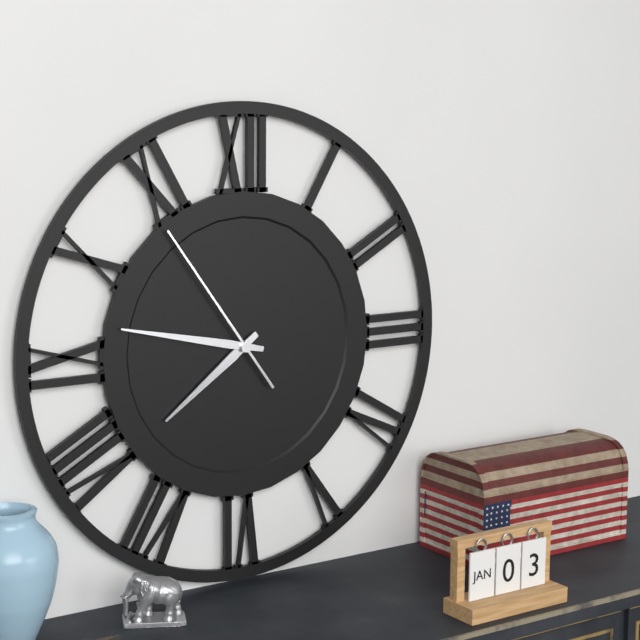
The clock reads 7h47m54s
